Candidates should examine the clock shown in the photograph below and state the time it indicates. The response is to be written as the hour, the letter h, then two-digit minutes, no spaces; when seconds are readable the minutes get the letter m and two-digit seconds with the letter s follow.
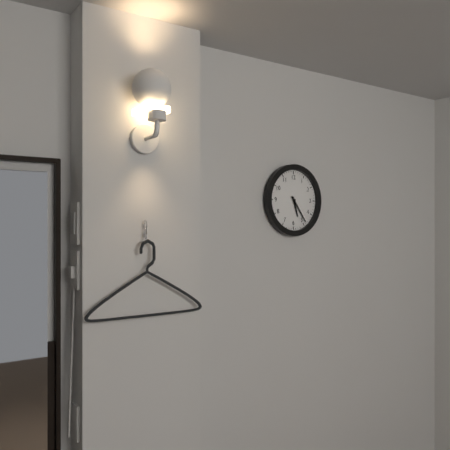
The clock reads 5h24
